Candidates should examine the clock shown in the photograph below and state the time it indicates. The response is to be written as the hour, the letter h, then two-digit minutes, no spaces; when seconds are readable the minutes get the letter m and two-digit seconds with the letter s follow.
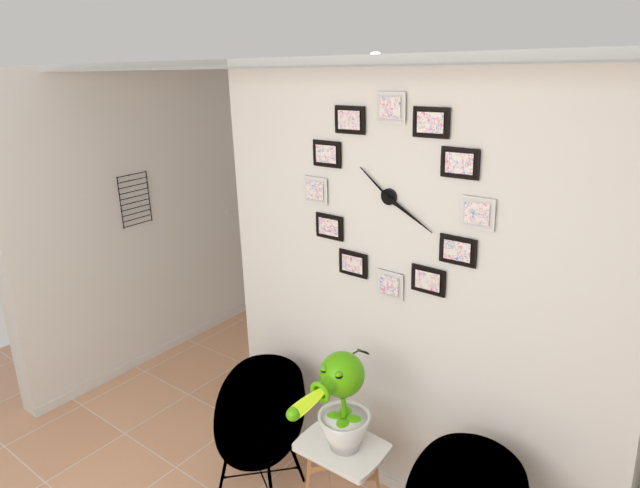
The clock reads 10h20
